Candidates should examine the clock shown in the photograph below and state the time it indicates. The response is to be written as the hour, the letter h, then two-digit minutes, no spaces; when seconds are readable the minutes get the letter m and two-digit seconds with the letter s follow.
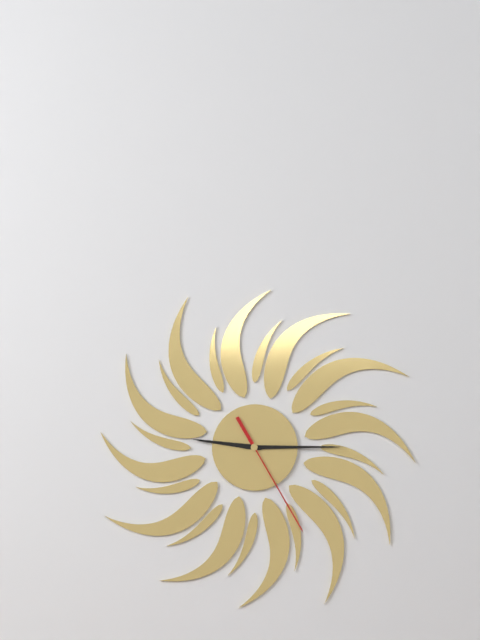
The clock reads 9h15m25s
